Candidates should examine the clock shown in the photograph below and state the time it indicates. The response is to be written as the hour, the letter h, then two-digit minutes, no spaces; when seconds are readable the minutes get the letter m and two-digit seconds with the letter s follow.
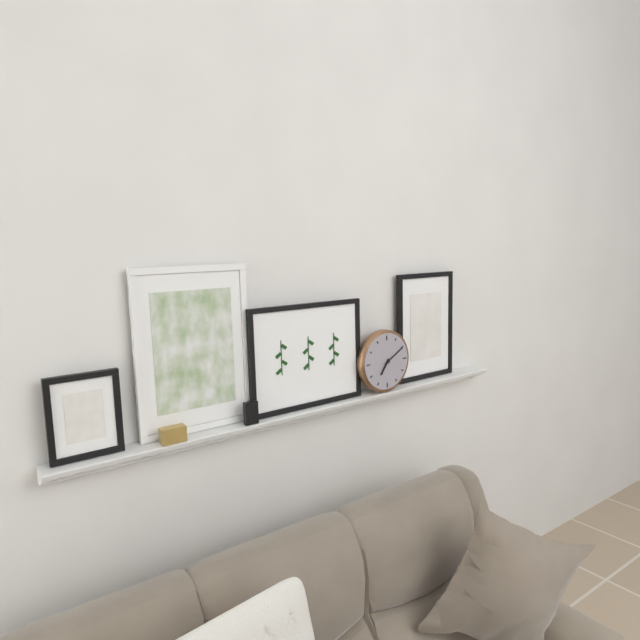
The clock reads 7h10
